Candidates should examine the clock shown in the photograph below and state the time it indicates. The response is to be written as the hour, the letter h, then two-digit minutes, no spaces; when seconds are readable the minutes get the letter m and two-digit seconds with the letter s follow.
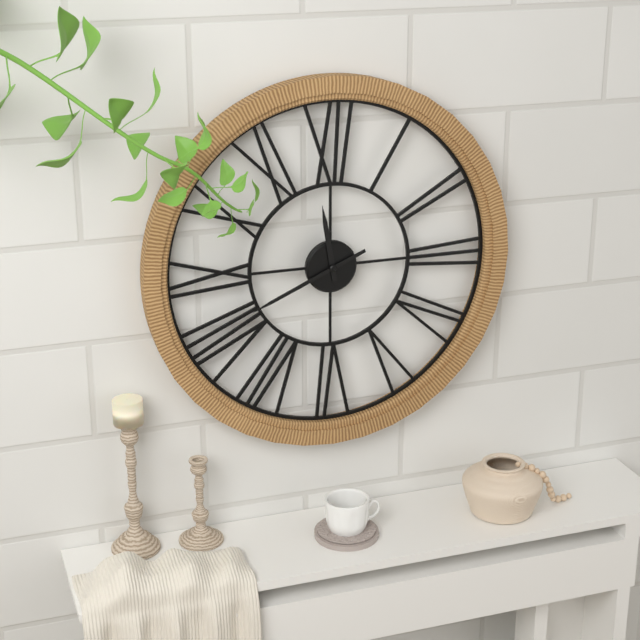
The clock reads 11h41
